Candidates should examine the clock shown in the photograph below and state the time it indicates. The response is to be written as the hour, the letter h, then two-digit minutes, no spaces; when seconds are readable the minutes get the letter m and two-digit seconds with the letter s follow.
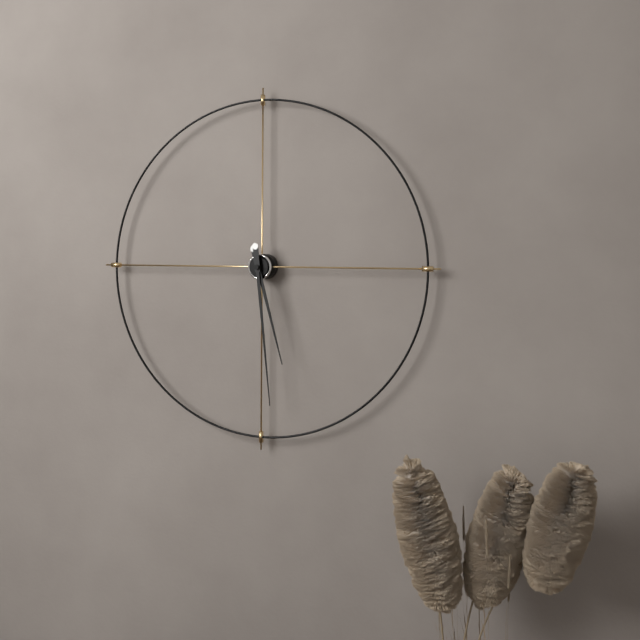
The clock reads 5h29
